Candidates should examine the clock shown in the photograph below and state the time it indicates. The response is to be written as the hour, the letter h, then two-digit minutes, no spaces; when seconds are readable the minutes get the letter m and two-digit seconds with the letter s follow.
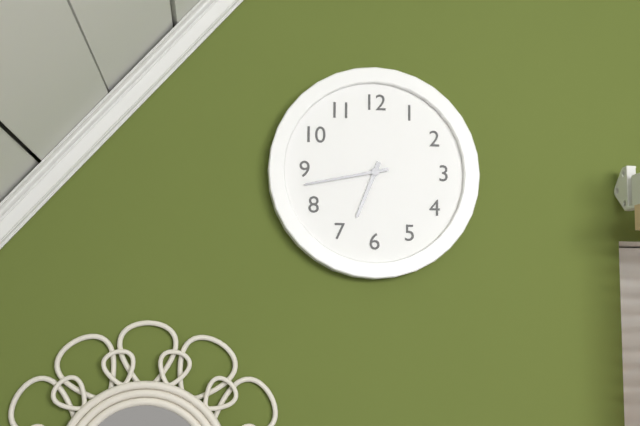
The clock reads 6h43
